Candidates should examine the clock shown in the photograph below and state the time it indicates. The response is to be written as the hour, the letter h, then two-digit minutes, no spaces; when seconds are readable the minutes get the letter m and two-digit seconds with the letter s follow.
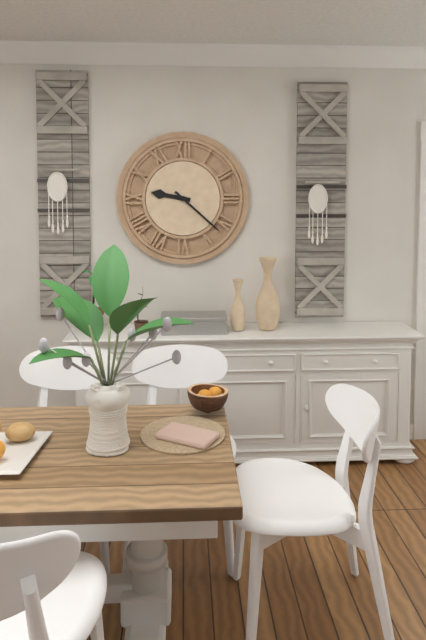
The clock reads 9h22
